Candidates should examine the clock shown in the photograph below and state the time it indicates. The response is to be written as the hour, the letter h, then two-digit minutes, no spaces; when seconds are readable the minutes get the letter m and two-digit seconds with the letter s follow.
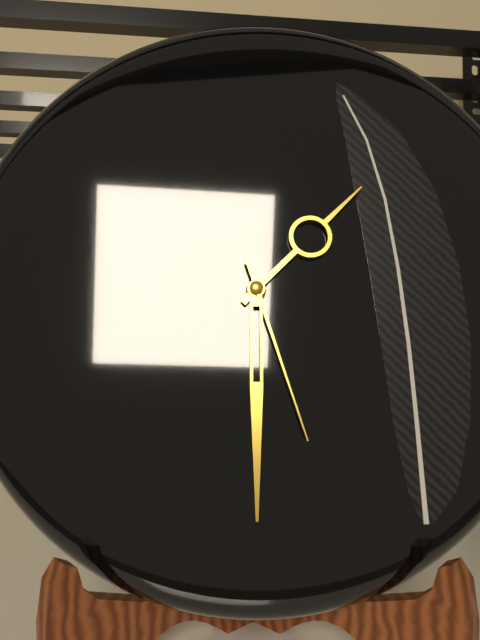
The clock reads 1h30m27s
